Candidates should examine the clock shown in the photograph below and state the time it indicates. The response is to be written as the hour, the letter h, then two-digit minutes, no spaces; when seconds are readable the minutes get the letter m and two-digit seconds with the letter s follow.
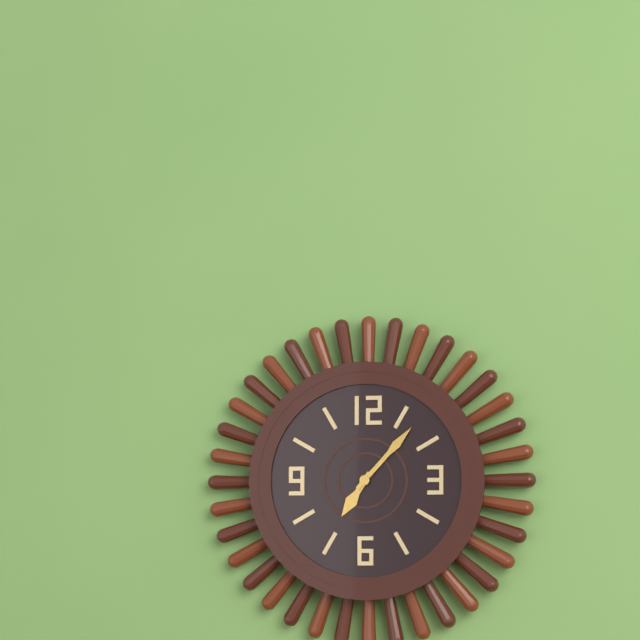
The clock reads 7h07
